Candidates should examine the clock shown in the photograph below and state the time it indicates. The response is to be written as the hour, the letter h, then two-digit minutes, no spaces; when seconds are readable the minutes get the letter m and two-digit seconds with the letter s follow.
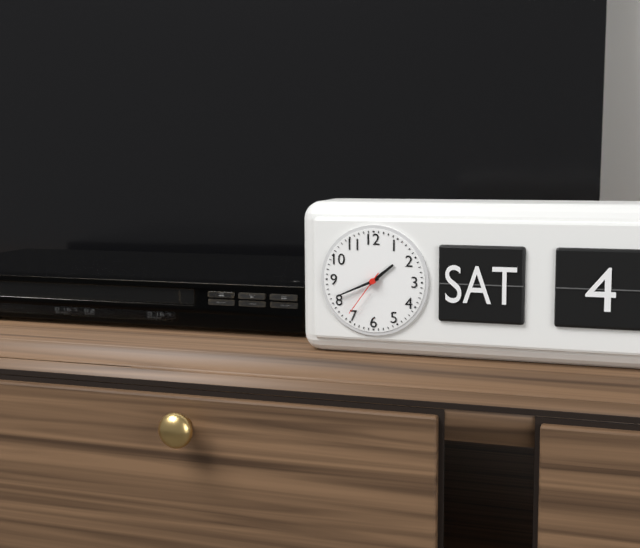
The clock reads 1h41
